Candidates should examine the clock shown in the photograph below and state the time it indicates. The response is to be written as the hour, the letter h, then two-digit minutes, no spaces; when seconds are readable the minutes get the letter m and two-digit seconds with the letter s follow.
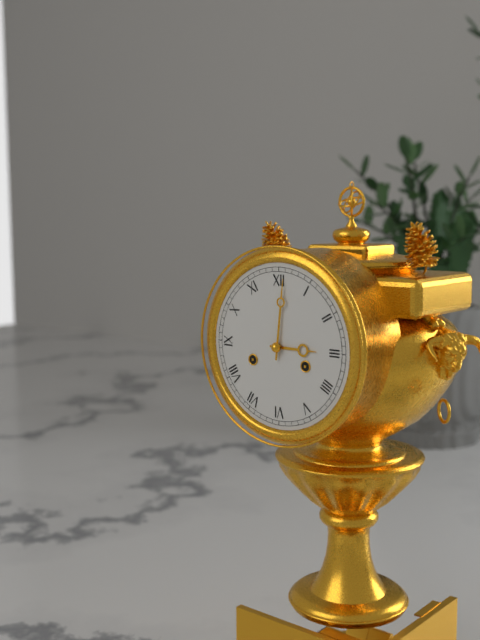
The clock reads 3h01
